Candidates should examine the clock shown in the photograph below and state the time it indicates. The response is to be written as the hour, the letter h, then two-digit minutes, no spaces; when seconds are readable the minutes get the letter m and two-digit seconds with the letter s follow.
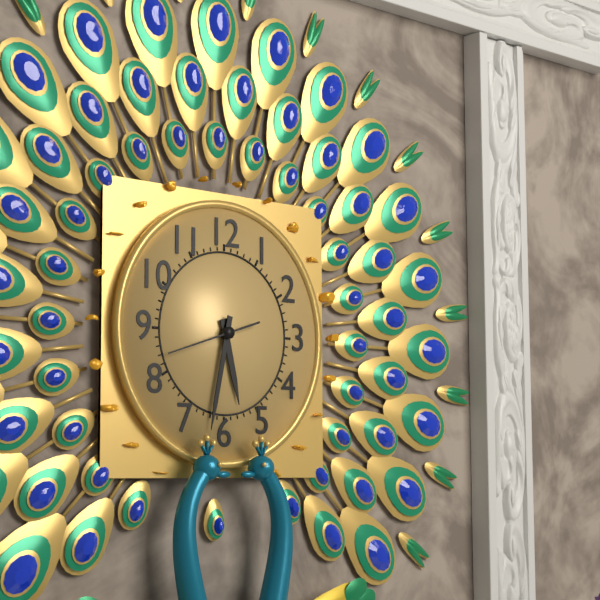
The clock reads 5h32m42s
